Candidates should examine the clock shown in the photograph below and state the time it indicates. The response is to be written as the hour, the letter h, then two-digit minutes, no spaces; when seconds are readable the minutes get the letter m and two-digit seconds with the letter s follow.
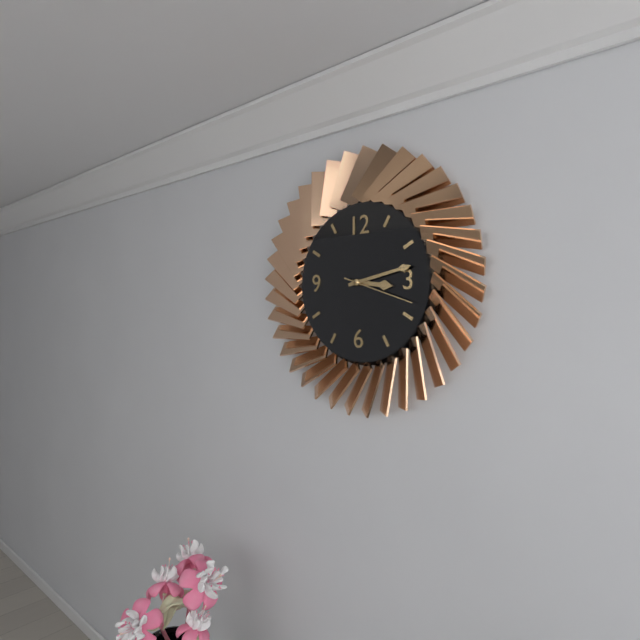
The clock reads 3h13m18s
